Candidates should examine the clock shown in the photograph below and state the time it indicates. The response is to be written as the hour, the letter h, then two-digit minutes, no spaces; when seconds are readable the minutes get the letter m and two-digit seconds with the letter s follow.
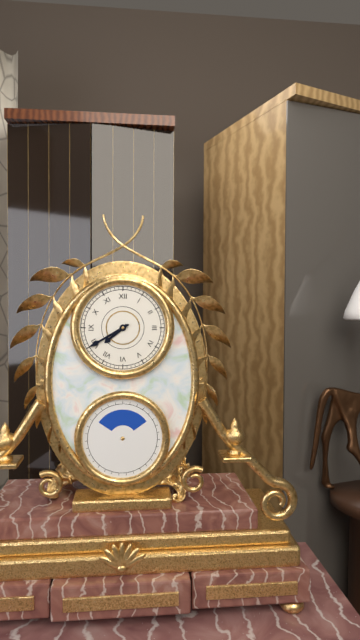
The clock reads 7h40
